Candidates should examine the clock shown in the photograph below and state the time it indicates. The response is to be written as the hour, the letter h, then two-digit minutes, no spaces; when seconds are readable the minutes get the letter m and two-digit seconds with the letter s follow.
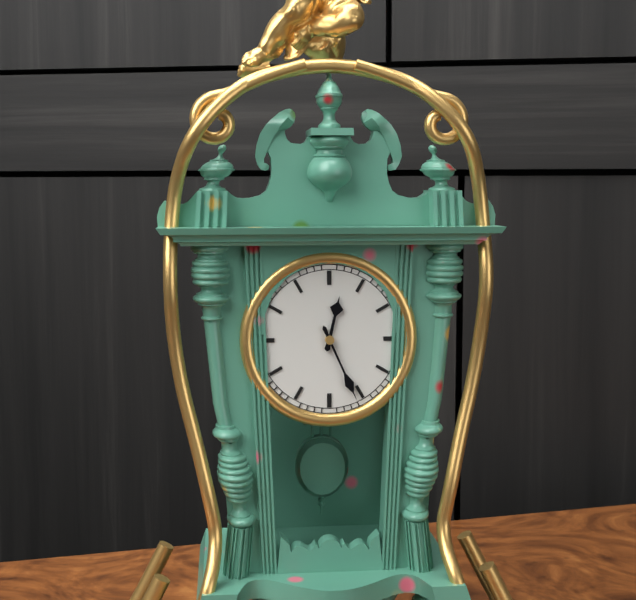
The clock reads 12h26
